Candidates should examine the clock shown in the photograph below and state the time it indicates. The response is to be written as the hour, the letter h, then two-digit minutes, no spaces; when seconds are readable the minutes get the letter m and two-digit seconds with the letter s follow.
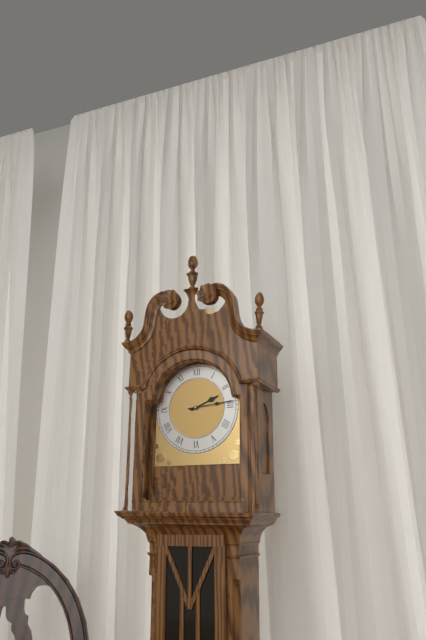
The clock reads 2h14
